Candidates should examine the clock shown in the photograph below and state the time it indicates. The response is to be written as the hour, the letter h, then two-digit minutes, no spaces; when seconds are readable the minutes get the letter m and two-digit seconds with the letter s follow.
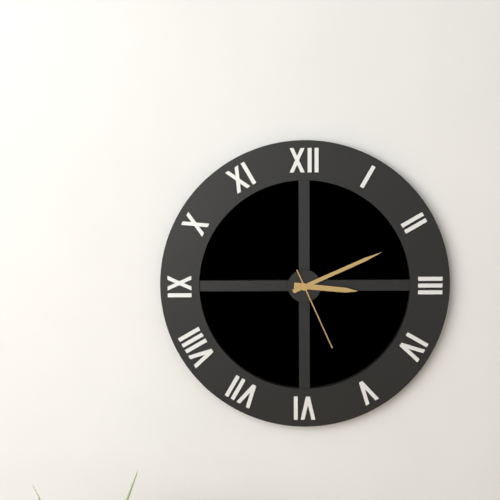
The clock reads 3h11m26s
